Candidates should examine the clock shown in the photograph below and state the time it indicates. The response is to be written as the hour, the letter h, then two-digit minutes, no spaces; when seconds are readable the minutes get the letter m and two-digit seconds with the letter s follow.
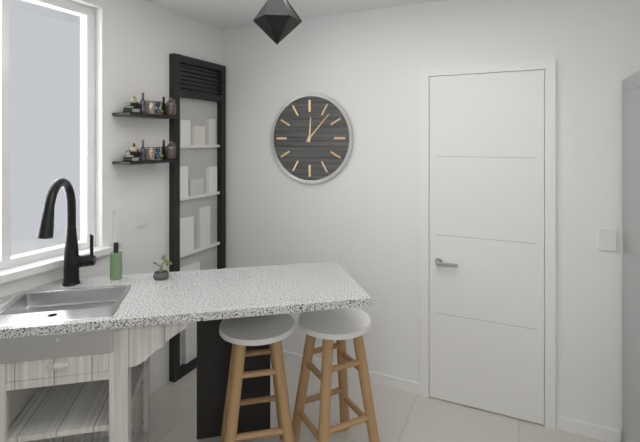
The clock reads 12h07
